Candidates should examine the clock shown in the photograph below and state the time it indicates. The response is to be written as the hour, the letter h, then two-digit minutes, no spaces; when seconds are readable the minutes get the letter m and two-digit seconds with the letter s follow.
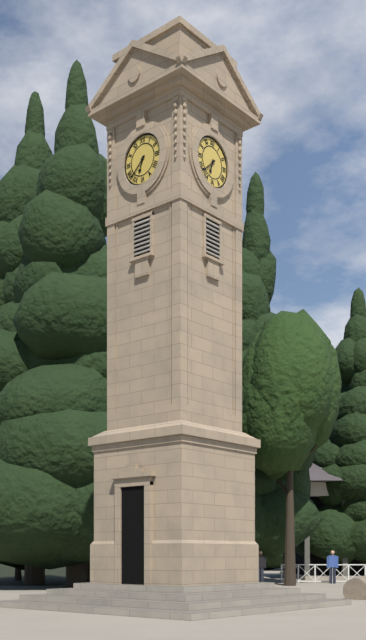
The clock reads 6h38
